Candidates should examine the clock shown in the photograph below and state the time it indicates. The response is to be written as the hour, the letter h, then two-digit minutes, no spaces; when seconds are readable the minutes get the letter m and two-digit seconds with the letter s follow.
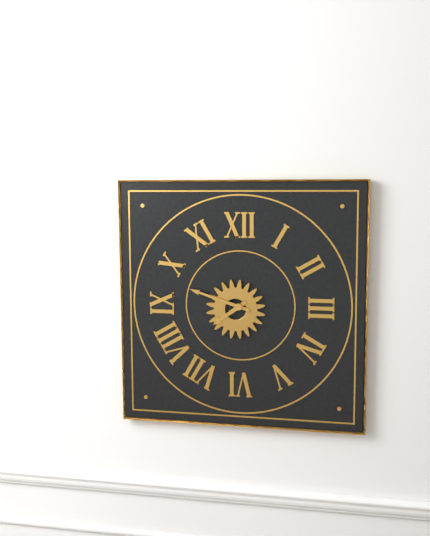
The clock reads 7h48
